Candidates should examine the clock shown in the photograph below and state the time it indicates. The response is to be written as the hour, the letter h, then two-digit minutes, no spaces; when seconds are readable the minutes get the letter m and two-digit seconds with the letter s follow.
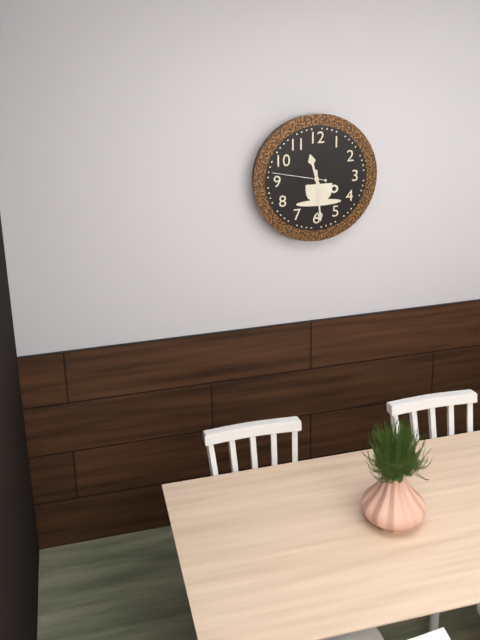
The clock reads 11h29m47s
